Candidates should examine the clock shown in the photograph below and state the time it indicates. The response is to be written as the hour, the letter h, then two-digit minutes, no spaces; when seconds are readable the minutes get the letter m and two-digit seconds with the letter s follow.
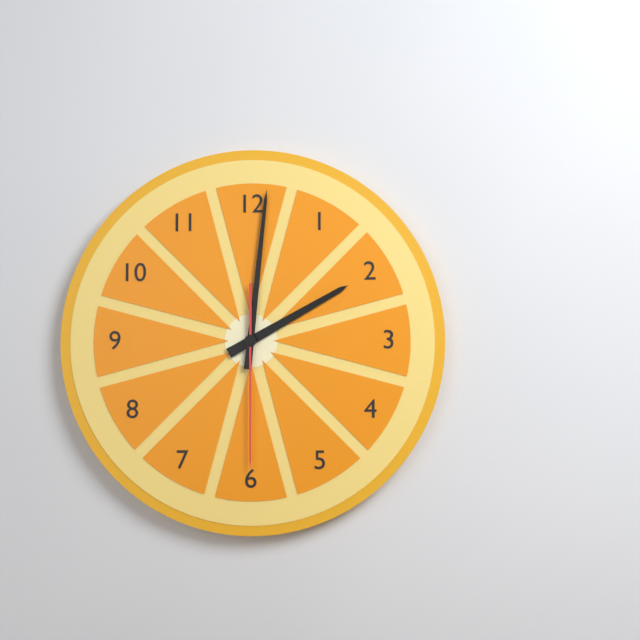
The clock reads 2h01m30s
